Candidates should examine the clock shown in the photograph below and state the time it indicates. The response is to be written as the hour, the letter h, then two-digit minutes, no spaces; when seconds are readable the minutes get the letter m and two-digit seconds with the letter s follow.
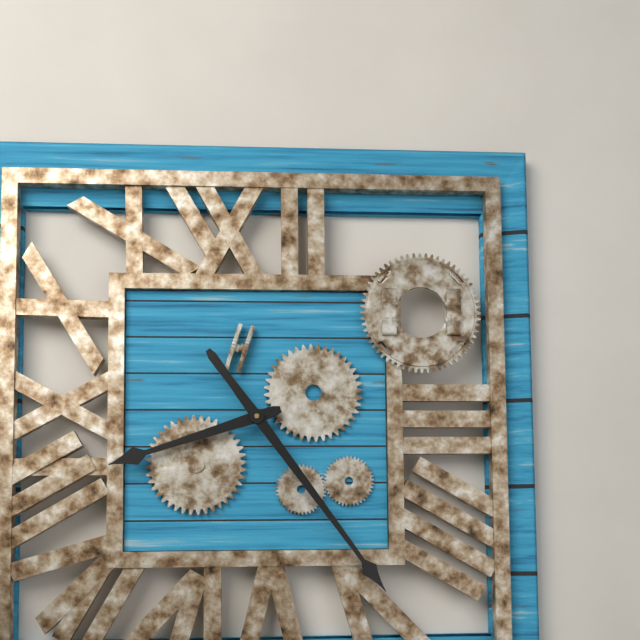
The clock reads 8h24
